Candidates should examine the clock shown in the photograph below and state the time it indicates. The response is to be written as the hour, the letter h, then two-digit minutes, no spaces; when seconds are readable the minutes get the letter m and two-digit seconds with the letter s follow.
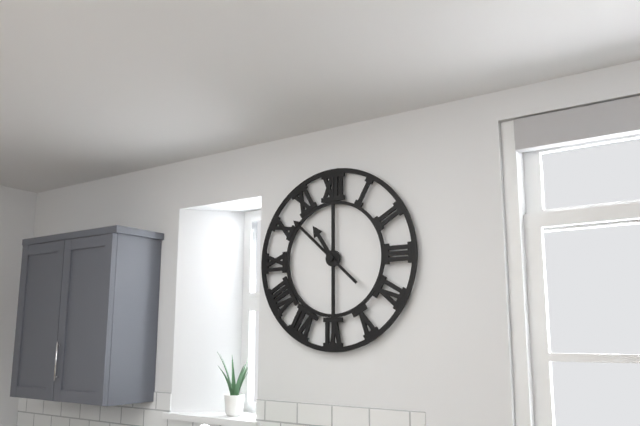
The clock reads 10h52
